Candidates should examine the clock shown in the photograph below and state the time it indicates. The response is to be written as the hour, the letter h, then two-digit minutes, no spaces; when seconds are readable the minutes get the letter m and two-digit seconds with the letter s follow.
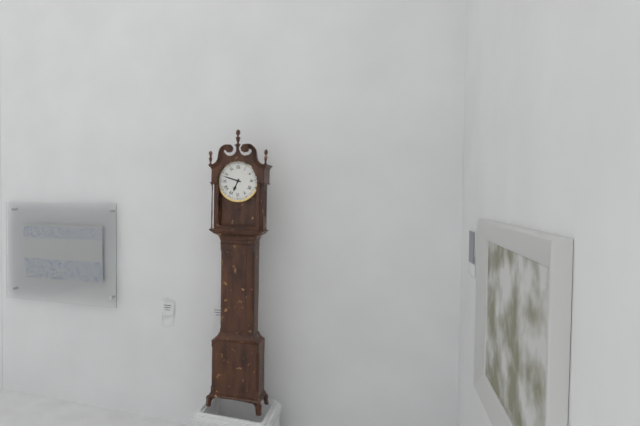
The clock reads 6h48
